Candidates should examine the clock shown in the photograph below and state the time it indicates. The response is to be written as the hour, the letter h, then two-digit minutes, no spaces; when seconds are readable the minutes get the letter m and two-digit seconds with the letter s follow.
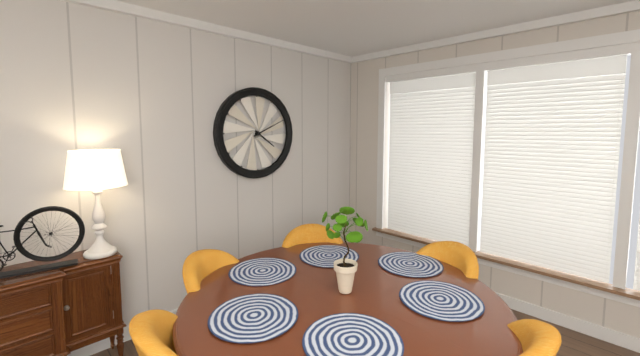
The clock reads 4h11
